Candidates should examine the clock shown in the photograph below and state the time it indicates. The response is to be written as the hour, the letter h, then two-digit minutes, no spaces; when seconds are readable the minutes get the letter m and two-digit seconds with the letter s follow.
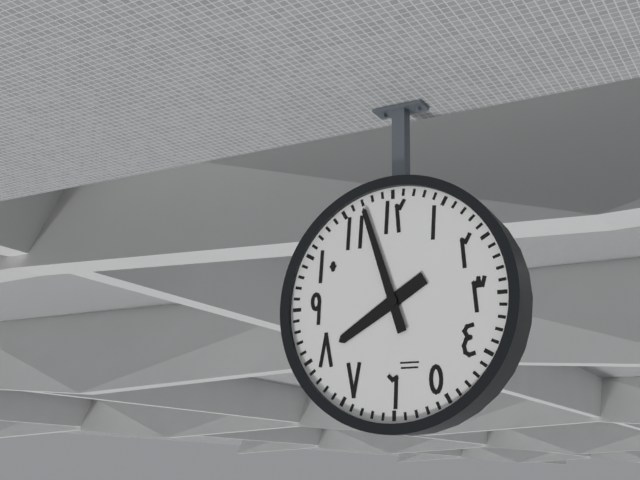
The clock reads 7h57
